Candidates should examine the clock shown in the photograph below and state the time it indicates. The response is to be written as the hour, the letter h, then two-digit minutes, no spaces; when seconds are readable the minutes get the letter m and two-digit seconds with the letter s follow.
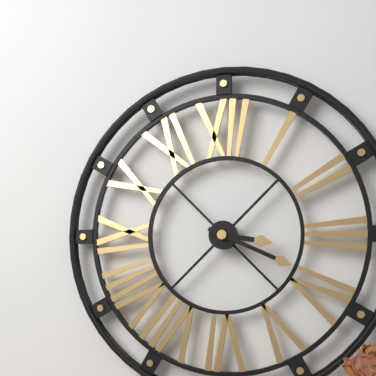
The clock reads 3h19
